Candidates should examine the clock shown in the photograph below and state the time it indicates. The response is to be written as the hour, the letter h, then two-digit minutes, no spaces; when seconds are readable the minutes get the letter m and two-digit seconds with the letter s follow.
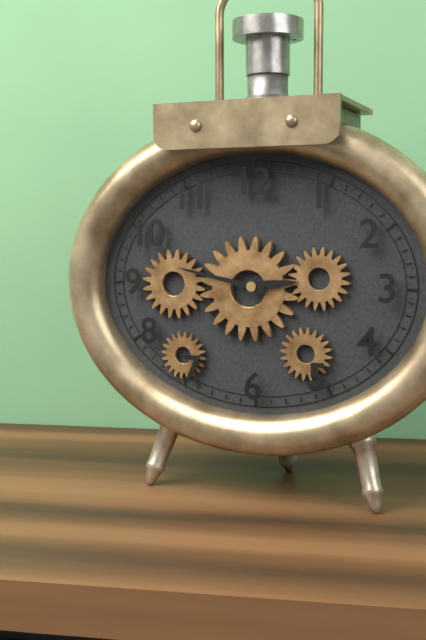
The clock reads 2h47
